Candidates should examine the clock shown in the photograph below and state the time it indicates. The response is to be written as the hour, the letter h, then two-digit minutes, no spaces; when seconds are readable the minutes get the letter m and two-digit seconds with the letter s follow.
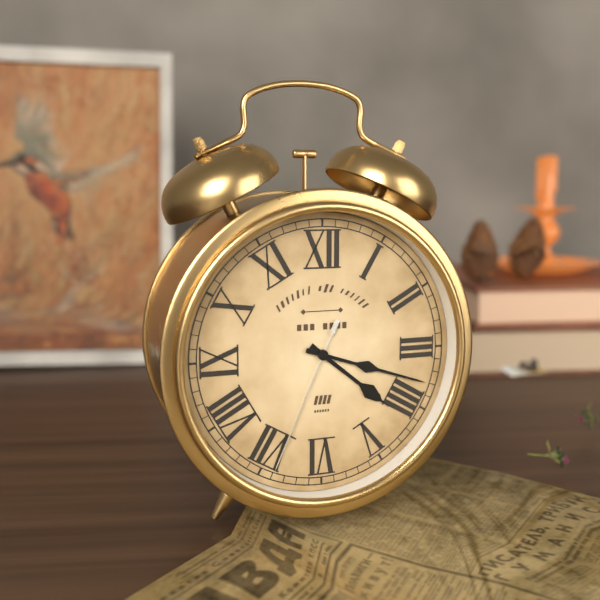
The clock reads 4h18m34s
